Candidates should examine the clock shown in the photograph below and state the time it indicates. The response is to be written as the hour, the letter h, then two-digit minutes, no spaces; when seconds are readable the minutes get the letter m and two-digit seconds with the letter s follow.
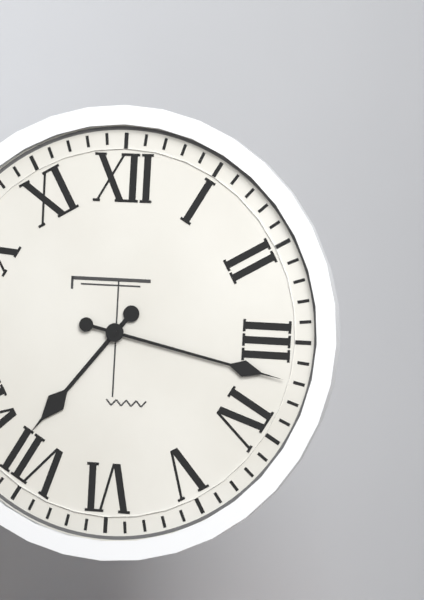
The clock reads 7h17
